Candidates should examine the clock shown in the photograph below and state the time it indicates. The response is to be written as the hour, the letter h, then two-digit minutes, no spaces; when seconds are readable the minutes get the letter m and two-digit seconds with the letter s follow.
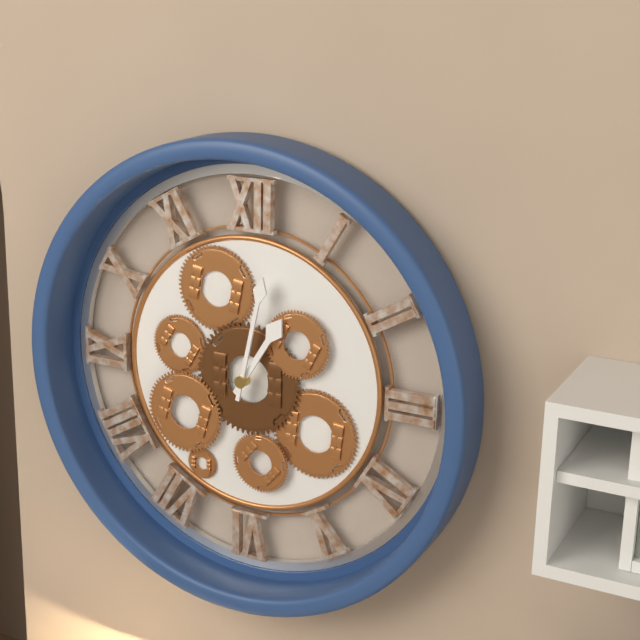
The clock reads 1h02
